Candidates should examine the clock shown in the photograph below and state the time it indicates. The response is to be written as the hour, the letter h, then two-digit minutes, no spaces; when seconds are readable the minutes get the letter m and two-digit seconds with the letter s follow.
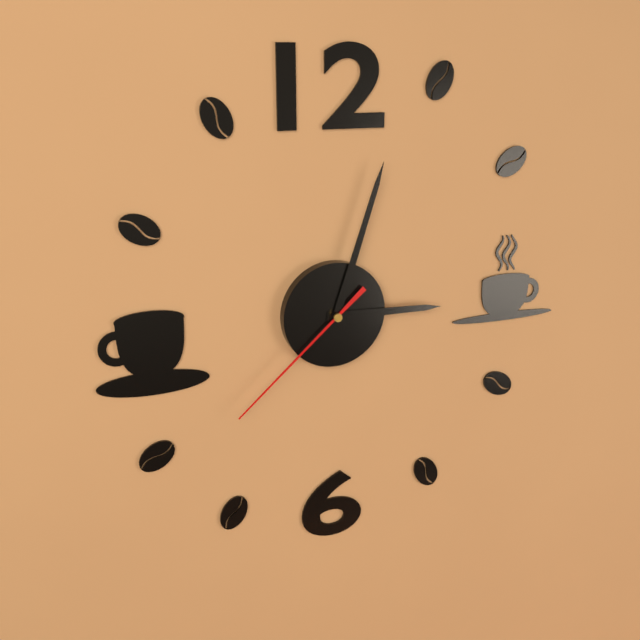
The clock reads 3h03m38s
